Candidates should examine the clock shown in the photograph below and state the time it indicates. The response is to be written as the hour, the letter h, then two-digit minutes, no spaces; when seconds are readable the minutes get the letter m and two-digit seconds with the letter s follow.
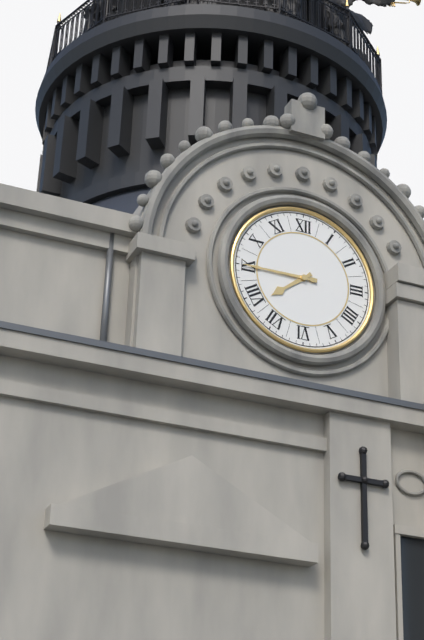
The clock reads 7h45
